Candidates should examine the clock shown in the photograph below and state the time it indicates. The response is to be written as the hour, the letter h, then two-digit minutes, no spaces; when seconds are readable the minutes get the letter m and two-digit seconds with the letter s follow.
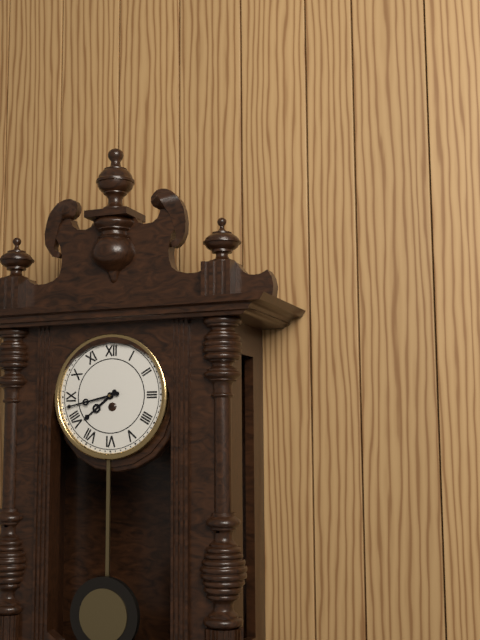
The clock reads 7h43
